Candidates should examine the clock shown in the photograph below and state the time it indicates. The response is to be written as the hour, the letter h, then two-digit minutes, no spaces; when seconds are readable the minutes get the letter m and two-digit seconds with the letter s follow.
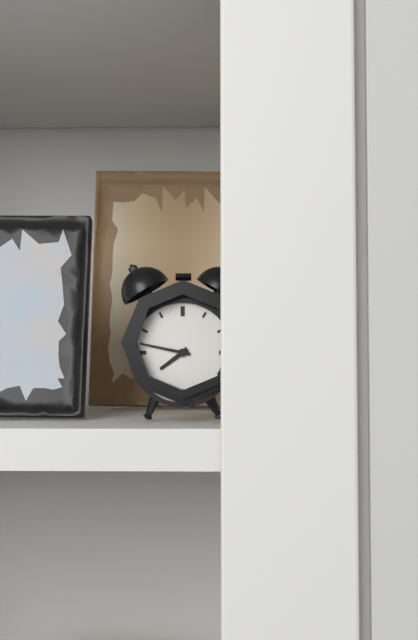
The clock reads 7h47
